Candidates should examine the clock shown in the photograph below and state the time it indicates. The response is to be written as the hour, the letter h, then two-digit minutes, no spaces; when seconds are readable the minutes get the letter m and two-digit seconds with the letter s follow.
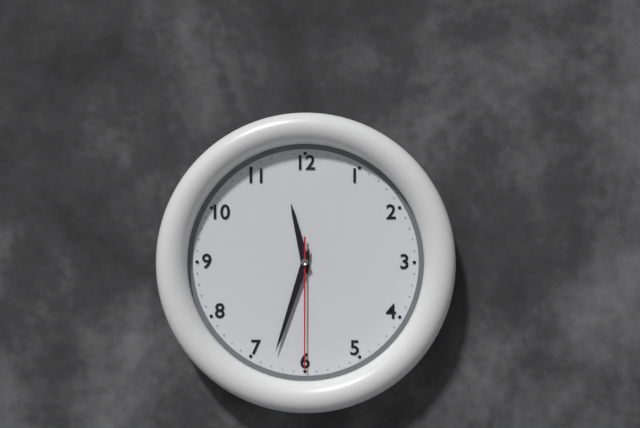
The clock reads 11h33m30s
